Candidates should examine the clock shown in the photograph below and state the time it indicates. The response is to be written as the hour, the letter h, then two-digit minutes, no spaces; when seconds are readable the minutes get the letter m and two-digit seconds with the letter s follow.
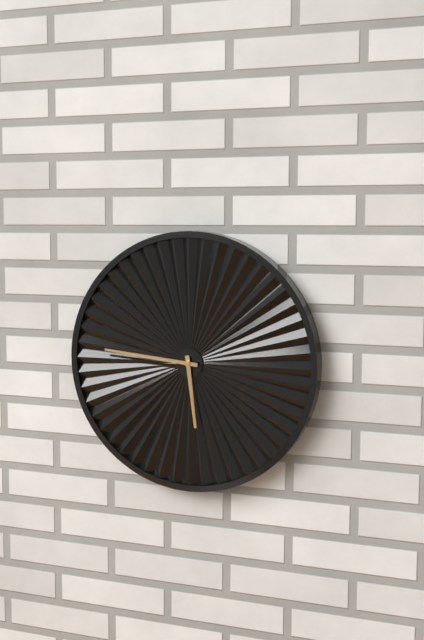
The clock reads 5h46
